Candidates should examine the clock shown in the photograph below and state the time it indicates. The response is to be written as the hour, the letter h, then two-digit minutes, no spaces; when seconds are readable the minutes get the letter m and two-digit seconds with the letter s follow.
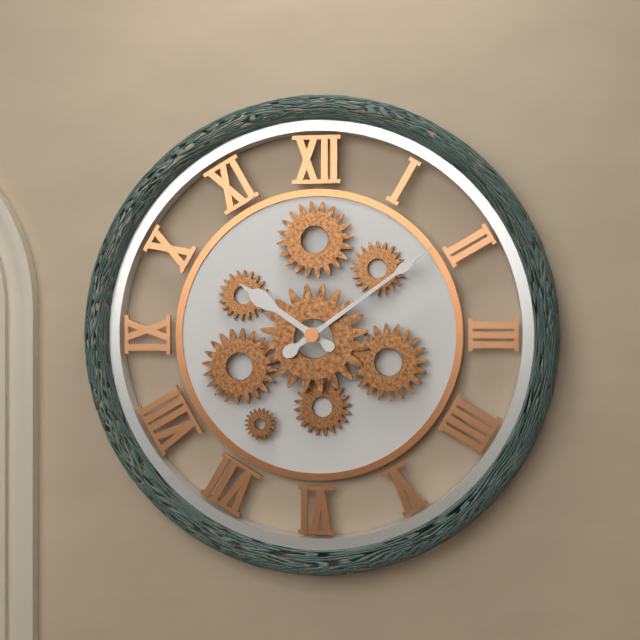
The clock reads 10h09
